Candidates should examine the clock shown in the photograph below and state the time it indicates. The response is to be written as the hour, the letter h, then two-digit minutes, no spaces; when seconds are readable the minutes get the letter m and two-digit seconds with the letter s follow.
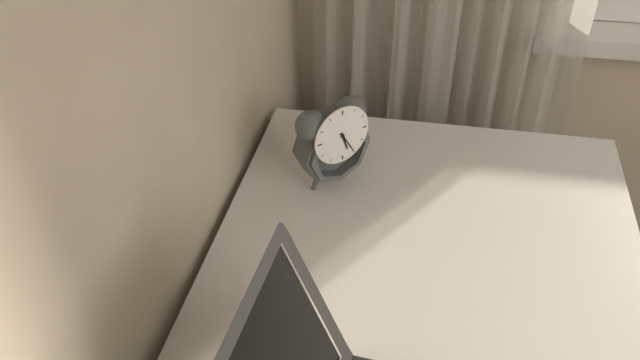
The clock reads 5h25
